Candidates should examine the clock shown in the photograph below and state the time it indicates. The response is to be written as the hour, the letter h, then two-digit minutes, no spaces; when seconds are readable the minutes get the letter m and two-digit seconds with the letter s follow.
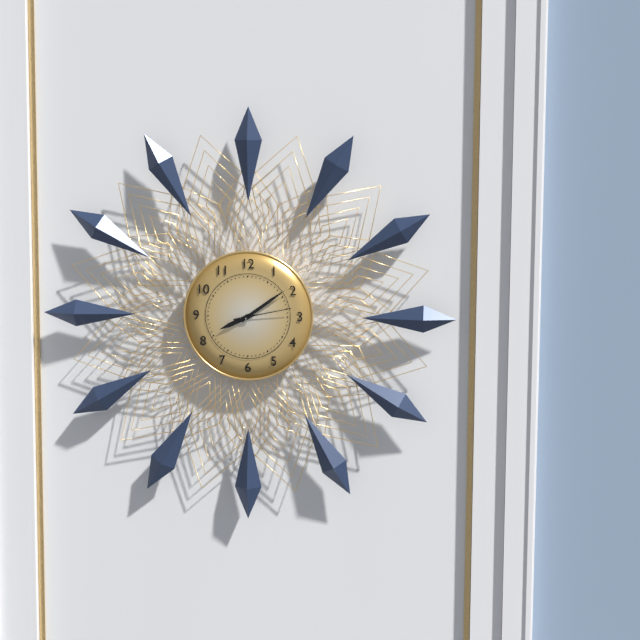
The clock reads 8h09m13s
